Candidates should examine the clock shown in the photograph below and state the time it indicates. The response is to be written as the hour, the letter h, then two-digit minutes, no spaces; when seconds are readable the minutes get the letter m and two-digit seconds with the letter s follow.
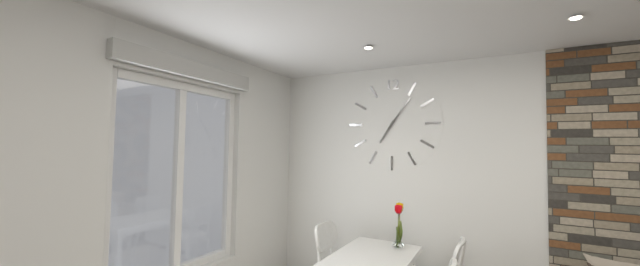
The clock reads 7h06
